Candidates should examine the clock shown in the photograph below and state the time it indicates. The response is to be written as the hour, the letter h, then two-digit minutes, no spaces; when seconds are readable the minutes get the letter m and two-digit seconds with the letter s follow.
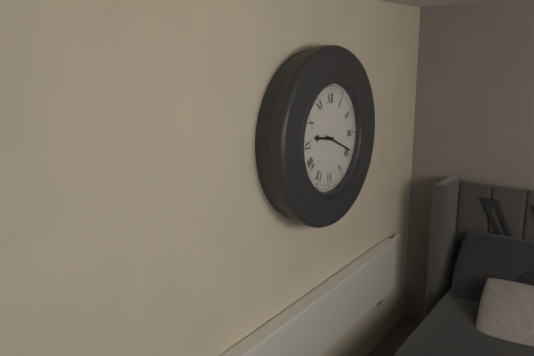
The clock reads 9h19
